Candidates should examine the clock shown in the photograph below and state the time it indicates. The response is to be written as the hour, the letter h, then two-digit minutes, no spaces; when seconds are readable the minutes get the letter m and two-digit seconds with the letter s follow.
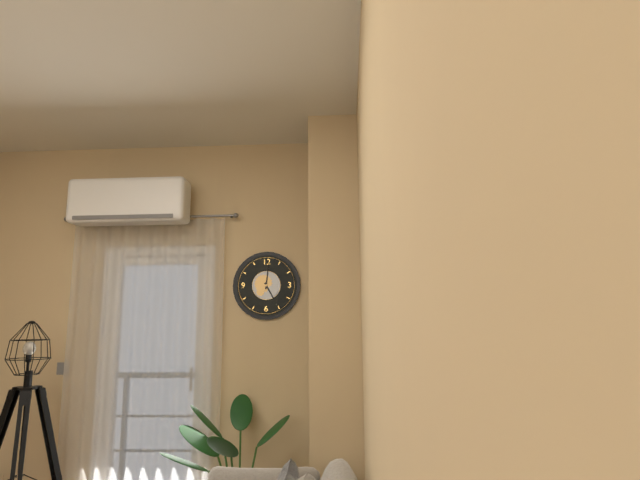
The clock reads 5h01
